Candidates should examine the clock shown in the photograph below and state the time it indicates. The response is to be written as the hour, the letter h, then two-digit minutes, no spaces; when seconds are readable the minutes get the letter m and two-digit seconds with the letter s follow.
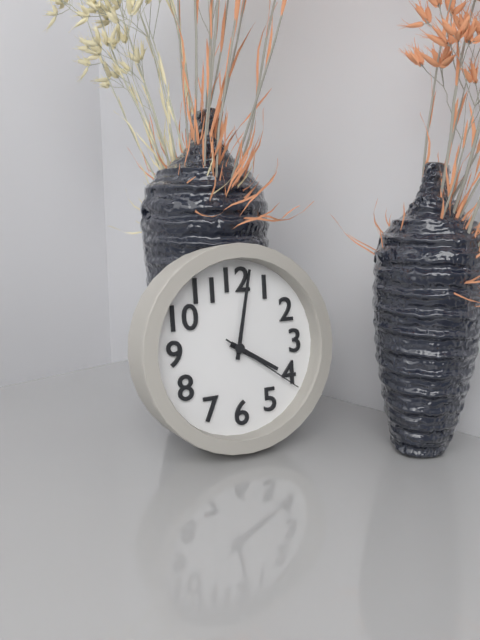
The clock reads 4h02m21s
